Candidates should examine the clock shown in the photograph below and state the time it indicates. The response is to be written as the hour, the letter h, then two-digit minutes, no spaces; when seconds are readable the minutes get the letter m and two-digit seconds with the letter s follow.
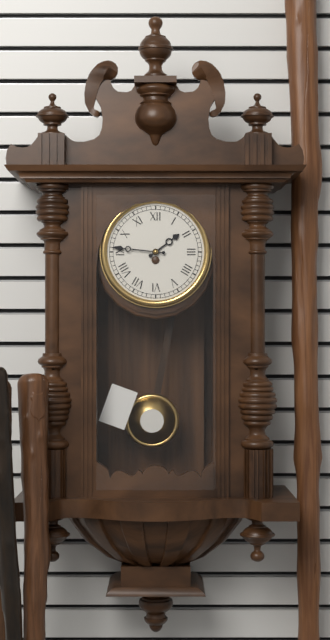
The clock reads 1h46
